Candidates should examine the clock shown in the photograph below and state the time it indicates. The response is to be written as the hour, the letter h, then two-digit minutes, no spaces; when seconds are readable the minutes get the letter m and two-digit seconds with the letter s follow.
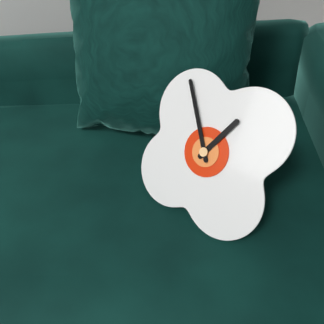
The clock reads 12h54
